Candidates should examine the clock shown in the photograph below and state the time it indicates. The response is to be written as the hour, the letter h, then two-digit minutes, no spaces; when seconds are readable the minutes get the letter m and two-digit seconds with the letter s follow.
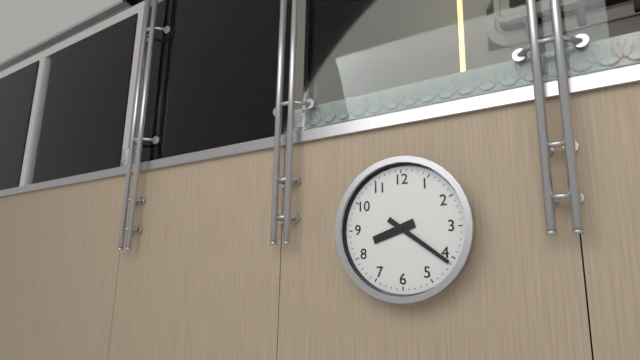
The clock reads 8h21
